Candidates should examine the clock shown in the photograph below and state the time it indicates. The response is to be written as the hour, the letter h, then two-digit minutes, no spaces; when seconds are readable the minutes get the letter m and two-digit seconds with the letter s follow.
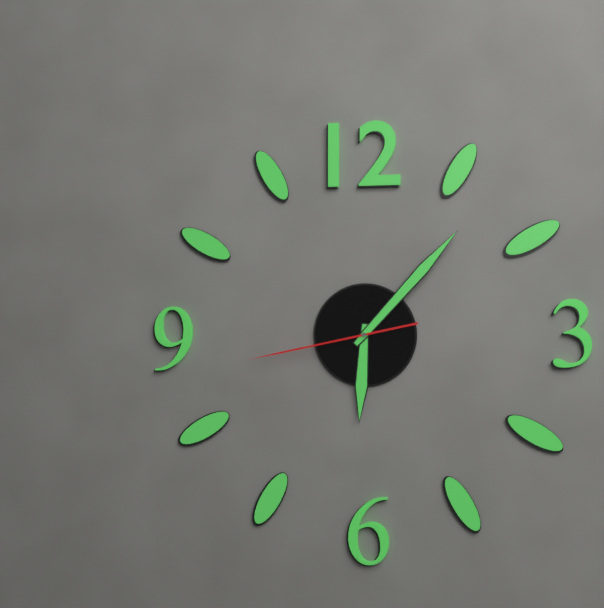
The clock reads 6h07m43s
